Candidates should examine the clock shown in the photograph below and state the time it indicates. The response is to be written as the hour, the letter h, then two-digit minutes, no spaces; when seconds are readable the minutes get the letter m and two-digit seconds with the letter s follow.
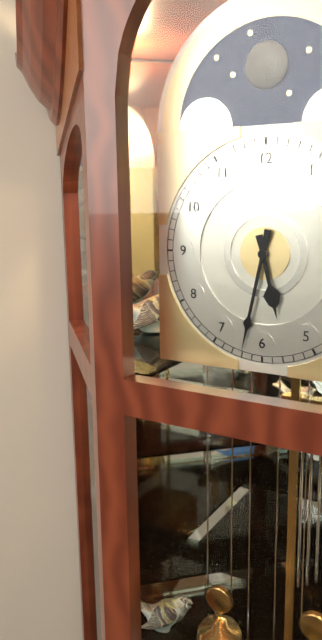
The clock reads 5h32
